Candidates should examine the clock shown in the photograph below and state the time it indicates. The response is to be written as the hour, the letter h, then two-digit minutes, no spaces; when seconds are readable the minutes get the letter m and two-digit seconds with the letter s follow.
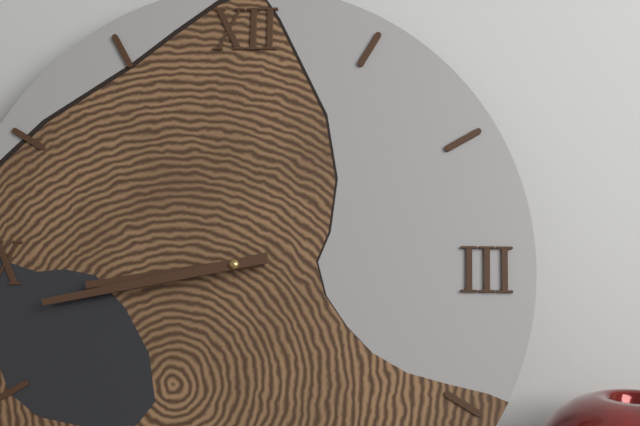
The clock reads 8h43
